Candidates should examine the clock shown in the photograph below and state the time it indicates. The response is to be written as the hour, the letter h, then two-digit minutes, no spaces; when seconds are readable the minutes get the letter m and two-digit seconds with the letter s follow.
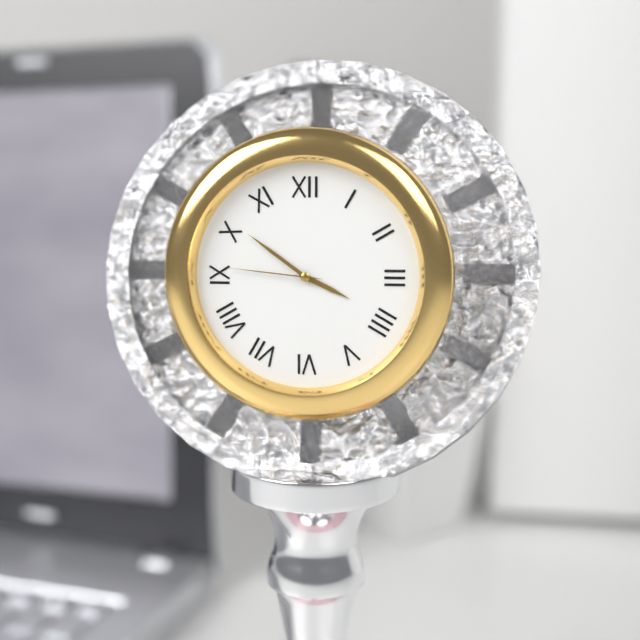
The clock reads 3h51m46s
